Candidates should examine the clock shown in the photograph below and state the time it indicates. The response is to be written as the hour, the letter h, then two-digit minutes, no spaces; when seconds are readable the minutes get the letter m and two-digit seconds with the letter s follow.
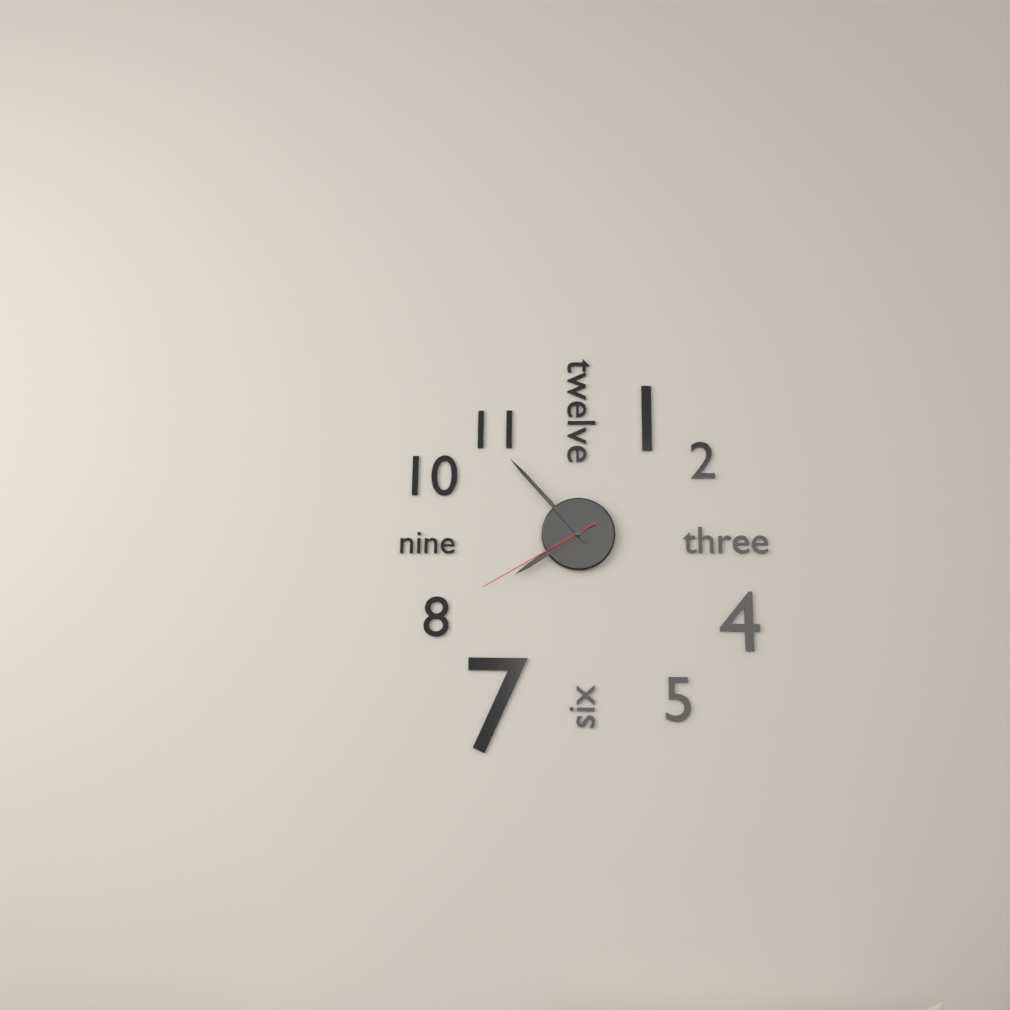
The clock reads 7h53m40s
